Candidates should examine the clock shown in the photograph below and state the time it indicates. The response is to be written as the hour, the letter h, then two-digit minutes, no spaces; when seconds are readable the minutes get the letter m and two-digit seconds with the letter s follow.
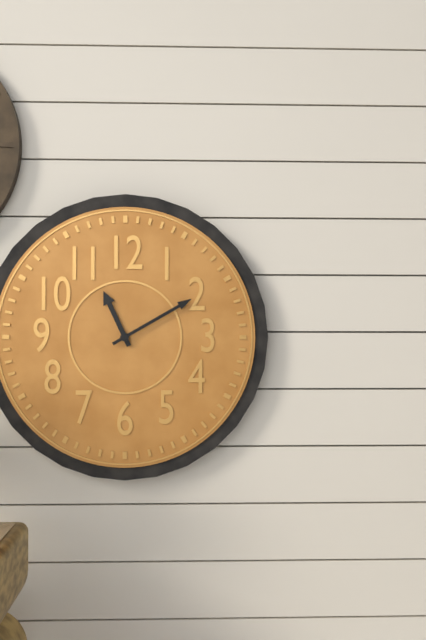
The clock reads 11h10
